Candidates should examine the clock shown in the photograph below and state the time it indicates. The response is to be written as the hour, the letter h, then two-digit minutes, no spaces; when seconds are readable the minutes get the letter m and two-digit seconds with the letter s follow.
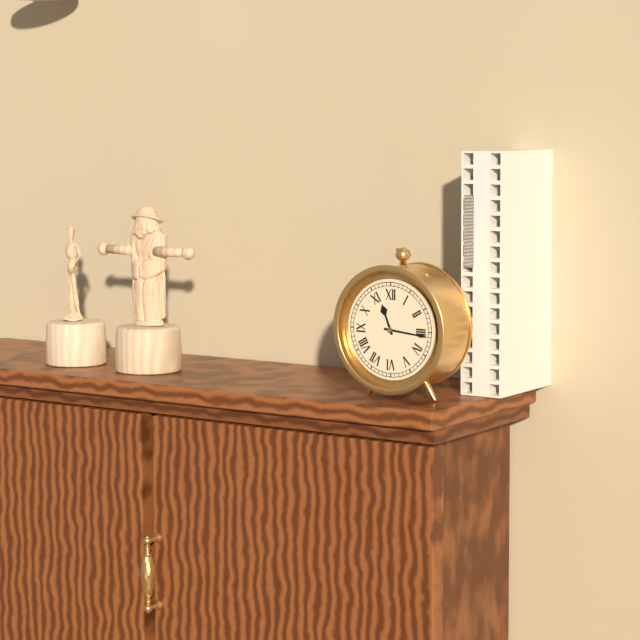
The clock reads 11h16
